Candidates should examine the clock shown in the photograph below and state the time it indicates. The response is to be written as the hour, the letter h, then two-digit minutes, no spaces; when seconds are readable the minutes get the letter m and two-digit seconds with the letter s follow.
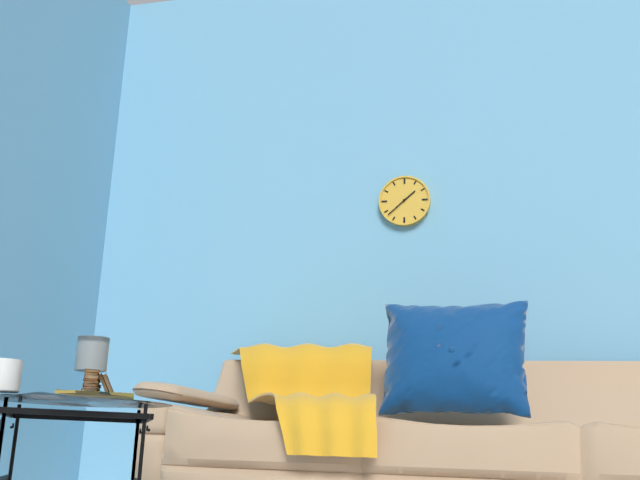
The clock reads 1h38
